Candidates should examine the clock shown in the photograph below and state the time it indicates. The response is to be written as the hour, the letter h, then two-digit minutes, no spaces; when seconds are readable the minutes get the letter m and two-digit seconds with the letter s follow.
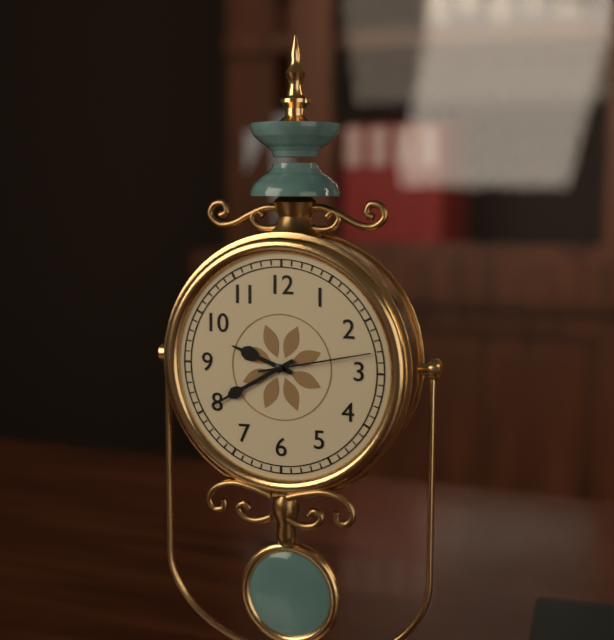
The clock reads 9h40m13s
